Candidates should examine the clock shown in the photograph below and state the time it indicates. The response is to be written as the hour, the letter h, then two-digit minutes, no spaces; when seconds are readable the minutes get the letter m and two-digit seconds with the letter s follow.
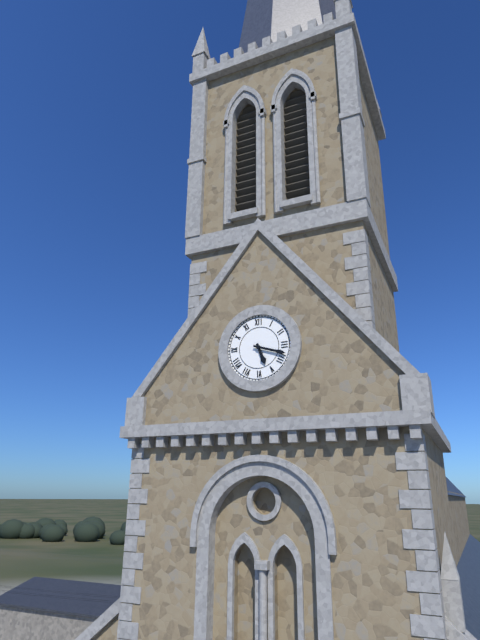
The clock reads 5h18
